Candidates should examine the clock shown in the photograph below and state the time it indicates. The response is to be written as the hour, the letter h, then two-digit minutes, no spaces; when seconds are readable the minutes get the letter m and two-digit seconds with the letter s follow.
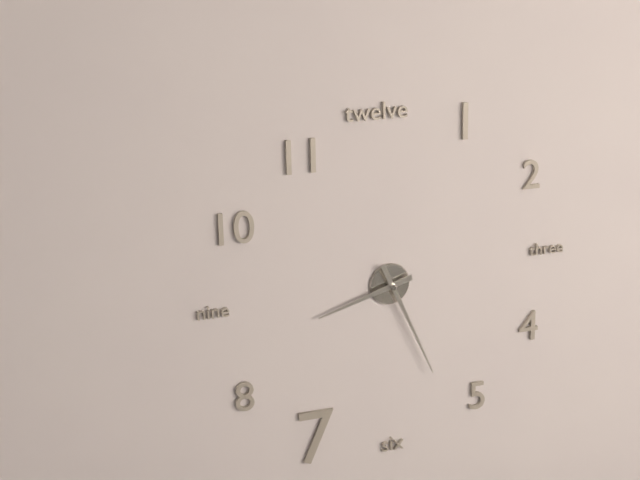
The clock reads 8h26
